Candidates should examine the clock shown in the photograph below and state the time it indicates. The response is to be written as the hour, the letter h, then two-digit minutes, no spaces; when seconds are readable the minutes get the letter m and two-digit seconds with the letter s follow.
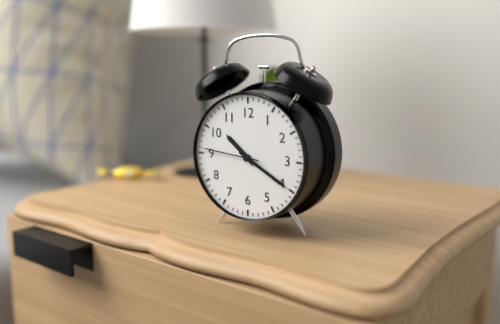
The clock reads 10h20m46s
